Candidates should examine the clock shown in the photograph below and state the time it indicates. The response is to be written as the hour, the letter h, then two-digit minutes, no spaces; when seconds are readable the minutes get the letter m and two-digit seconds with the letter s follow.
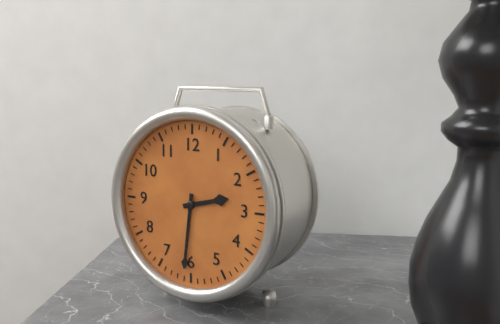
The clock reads 2h31
